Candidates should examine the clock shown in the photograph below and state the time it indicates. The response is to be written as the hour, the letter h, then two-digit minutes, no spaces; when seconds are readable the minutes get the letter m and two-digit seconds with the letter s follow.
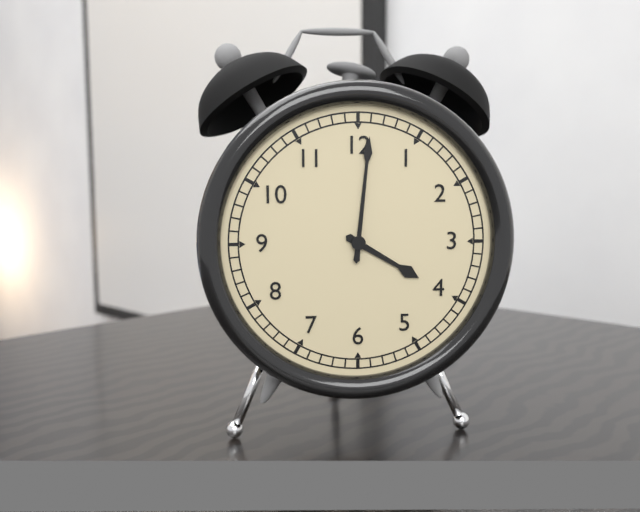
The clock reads 4h01
